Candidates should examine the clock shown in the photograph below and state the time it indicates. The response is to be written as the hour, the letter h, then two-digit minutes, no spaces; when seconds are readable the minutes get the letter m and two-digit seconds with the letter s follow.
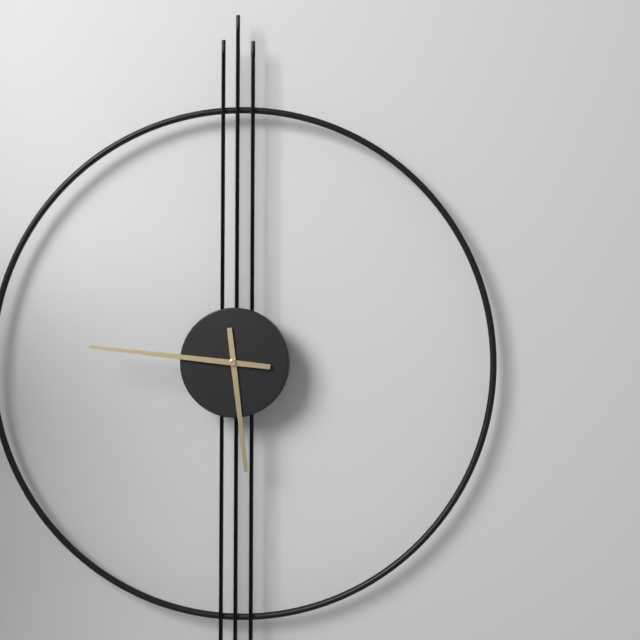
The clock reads 5h46
